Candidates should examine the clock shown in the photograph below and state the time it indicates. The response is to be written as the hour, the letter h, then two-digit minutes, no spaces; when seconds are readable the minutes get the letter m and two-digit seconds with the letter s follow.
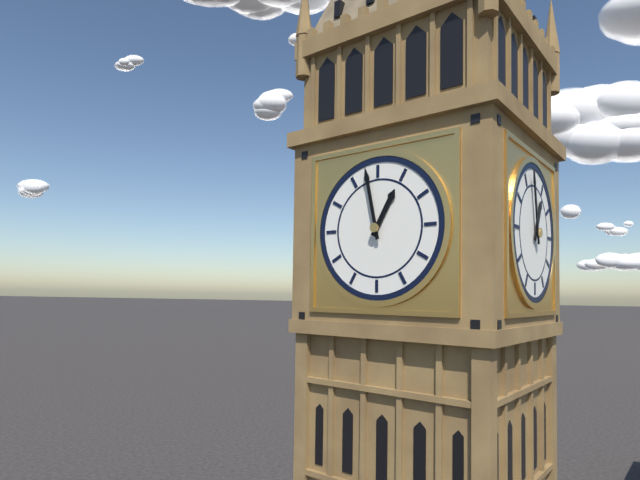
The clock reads 12h58
